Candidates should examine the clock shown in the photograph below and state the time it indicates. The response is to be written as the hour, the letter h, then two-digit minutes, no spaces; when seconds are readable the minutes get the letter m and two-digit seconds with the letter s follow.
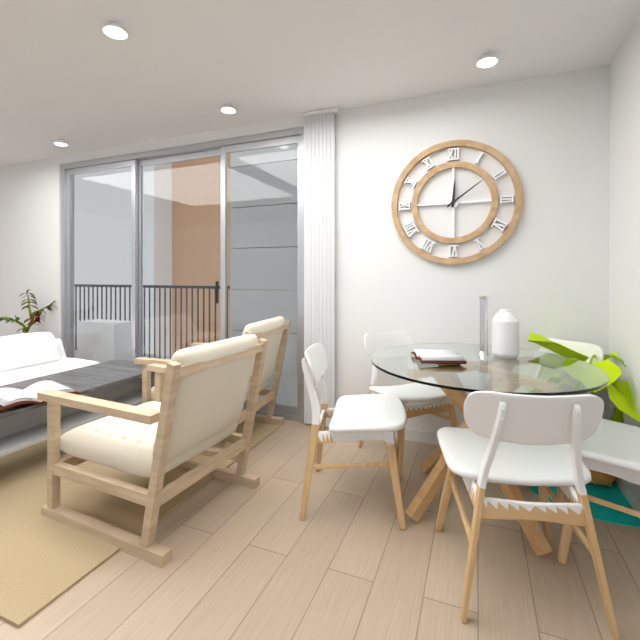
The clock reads 12h09
